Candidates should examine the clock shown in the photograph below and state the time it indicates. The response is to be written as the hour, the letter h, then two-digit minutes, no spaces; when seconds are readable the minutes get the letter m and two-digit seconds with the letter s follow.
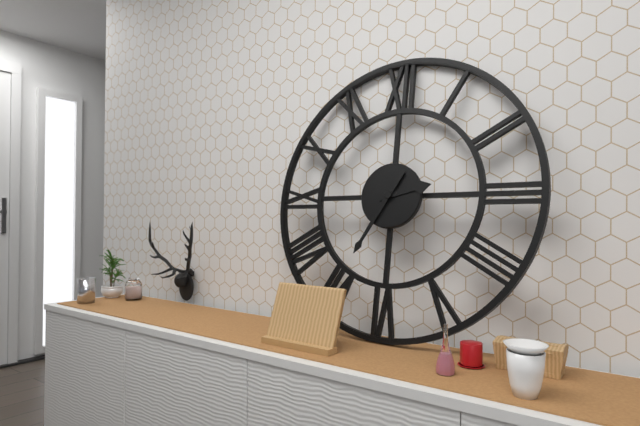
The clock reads 2h35
